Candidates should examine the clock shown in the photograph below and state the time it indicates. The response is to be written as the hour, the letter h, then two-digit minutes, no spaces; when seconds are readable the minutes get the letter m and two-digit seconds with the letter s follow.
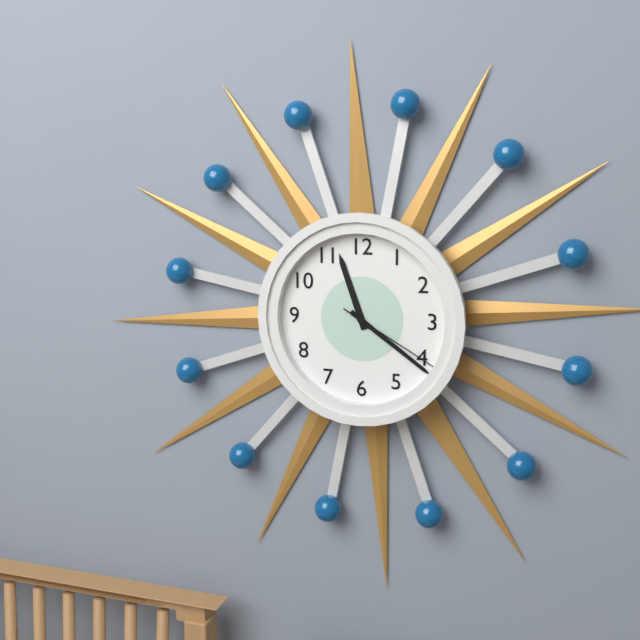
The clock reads 11h21m20s
